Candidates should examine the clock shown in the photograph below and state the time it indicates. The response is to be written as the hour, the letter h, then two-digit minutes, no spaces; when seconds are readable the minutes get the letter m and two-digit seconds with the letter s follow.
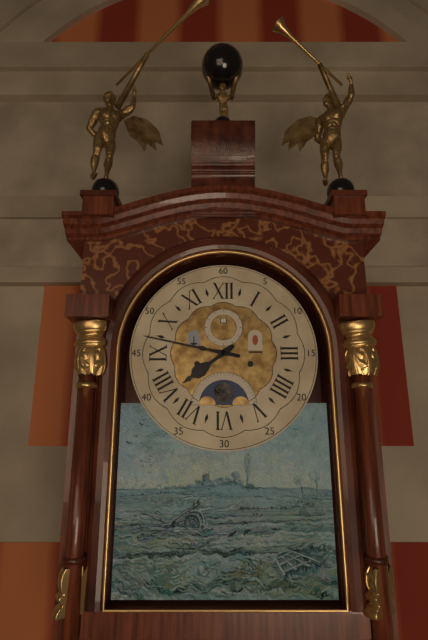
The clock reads 7h47
